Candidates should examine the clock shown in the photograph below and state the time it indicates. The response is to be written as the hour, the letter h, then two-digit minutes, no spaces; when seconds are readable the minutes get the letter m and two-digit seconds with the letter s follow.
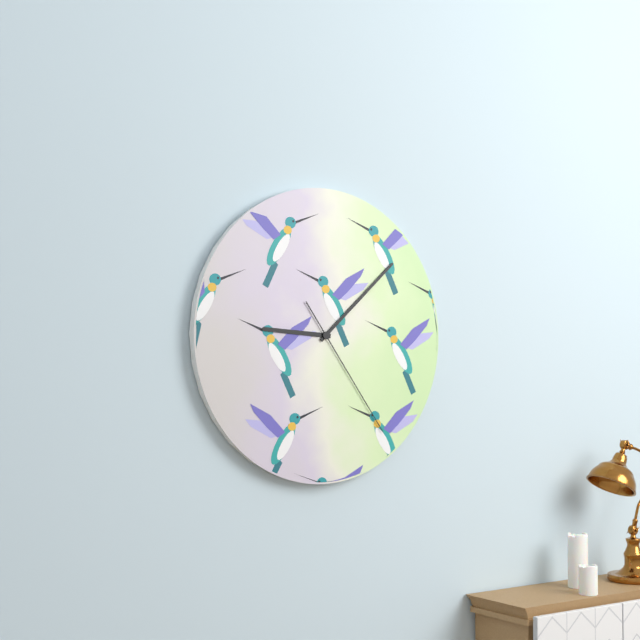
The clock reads 9h08m24s
